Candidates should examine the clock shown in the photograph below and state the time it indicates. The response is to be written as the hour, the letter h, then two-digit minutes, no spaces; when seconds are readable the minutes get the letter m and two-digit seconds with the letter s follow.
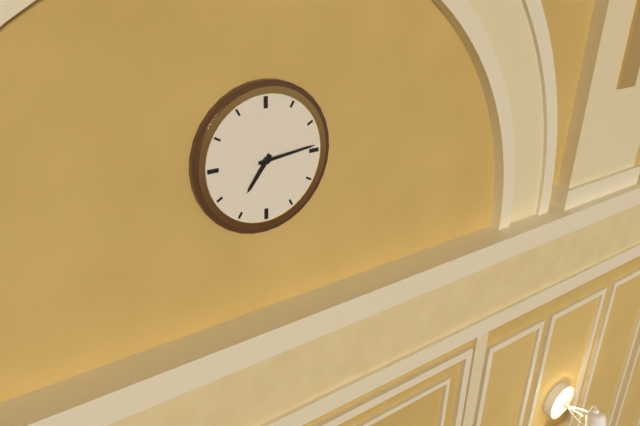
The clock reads 7h14
